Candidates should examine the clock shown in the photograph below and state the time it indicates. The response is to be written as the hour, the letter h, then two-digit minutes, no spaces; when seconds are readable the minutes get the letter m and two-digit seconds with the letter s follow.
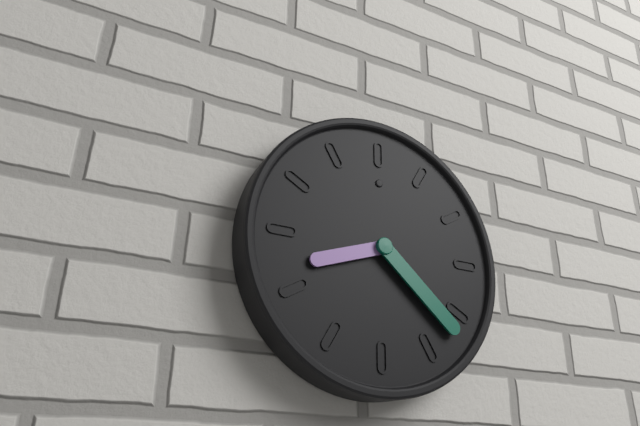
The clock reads 8h22
